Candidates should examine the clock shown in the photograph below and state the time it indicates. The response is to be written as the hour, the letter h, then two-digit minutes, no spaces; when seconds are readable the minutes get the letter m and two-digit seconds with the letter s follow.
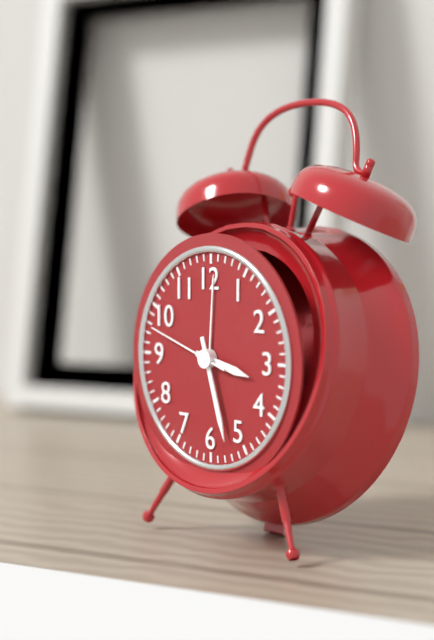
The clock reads 3h27m48s
